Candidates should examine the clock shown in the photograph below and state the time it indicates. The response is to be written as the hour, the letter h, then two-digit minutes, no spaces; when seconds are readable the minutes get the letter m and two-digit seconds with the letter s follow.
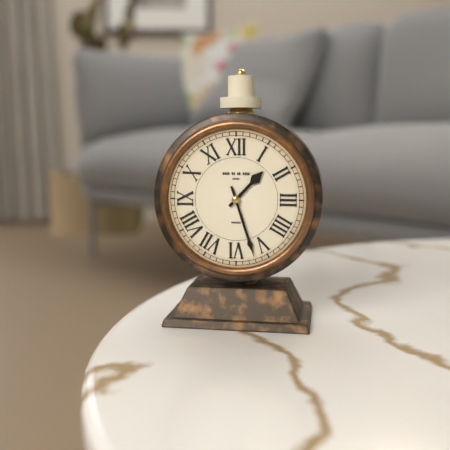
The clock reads 1h27
